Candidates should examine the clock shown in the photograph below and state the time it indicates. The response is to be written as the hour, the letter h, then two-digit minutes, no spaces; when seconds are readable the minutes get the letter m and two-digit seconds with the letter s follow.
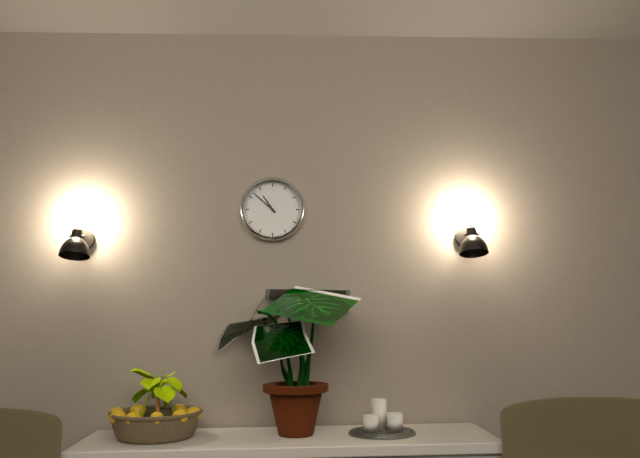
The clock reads 10h52
